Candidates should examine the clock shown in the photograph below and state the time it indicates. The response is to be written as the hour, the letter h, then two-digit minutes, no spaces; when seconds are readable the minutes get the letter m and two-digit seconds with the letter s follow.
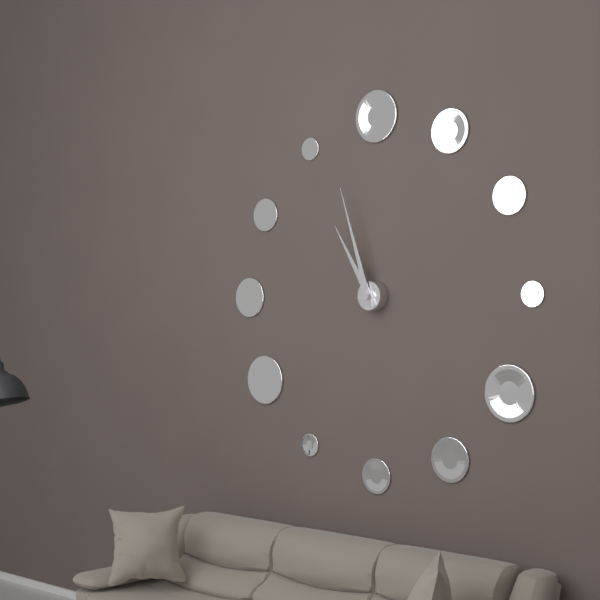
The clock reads 10h57
